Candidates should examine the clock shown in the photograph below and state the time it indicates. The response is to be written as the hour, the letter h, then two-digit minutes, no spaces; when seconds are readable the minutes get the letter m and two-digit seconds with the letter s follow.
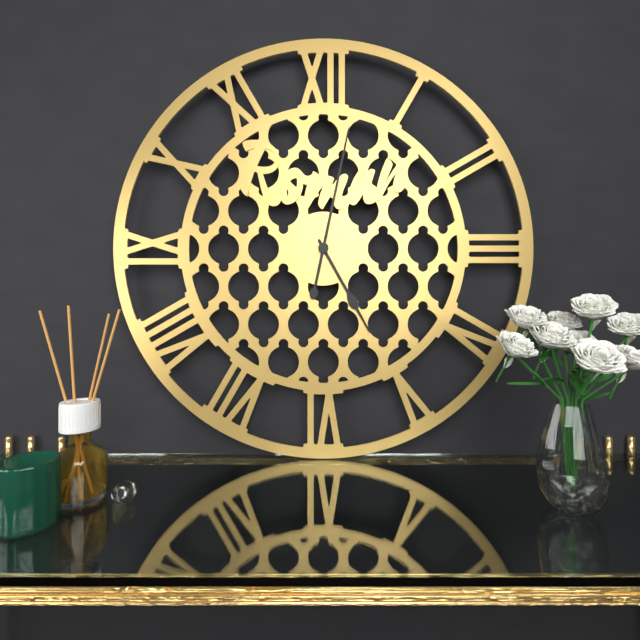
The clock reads 5h02
